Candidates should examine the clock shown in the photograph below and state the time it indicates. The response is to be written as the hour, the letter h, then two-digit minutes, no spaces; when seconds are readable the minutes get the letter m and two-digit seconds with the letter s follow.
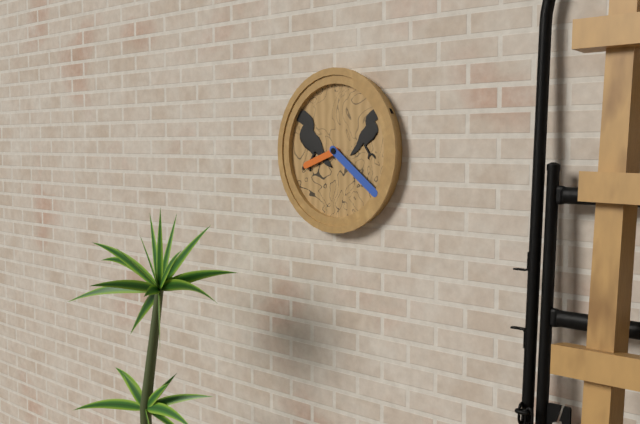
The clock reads 8h21
